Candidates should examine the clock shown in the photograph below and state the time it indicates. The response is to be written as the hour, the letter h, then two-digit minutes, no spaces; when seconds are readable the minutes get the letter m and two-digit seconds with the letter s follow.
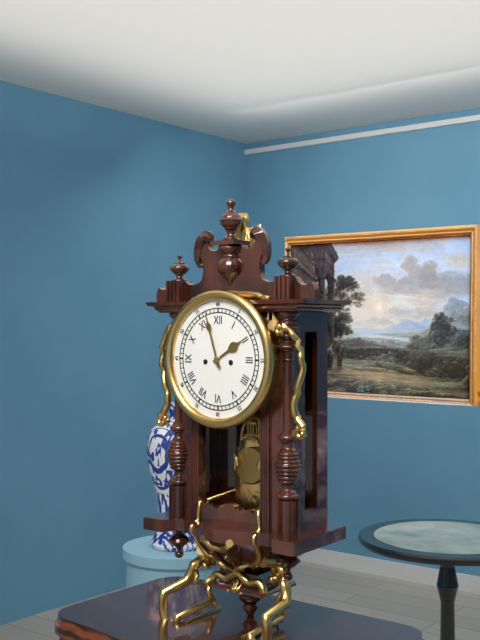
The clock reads 1h57
